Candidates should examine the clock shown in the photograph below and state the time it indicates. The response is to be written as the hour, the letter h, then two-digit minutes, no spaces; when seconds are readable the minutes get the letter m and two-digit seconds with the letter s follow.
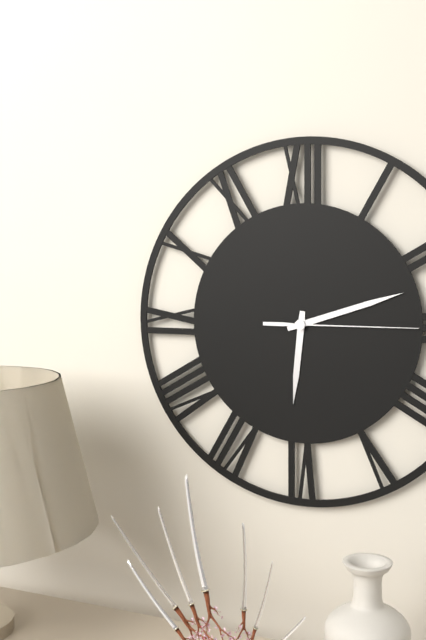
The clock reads 6h12m15s
